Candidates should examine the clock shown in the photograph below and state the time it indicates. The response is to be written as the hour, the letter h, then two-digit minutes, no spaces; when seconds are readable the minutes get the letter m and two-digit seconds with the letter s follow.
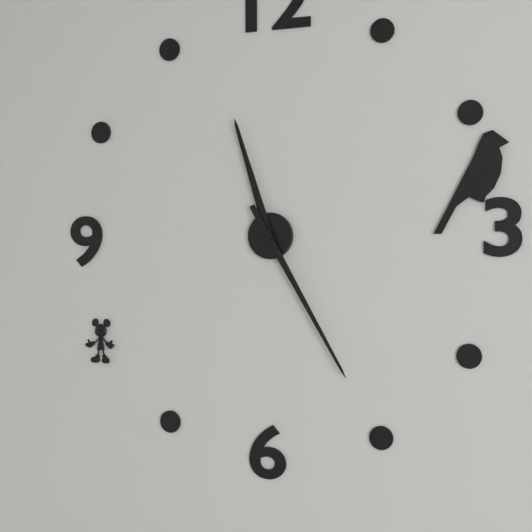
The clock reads 11h25
